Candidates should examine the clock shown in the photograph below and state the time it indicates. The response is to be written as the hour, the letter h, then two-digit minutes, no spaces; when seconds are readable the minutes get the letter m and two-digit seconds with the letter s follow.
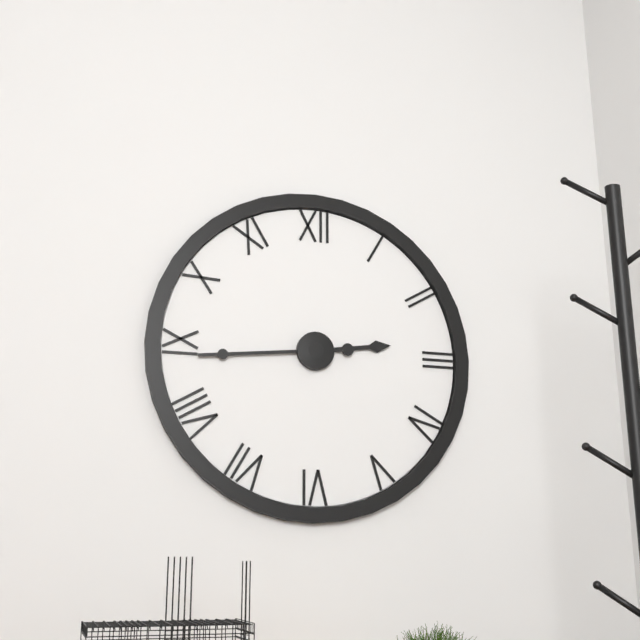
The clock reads 2h44
